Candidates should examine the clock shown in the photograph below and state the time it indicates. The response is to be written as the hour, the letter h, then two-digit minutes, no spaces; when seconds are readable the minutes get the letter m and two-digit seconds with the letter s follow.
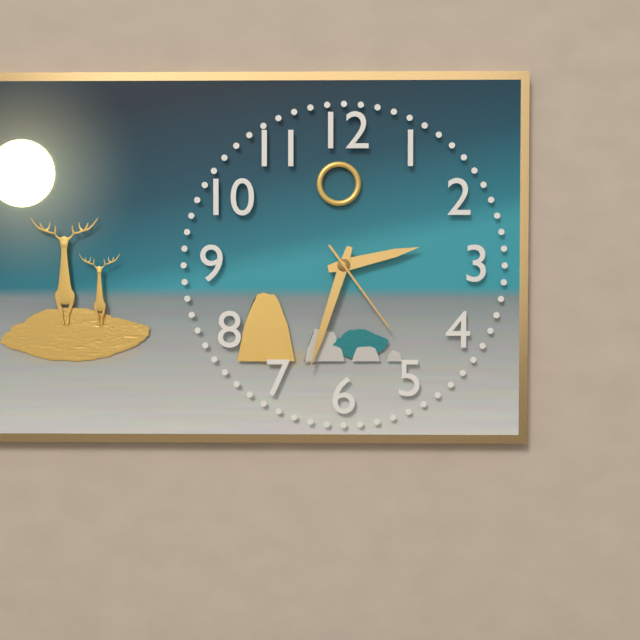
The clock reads 2h33m24s
